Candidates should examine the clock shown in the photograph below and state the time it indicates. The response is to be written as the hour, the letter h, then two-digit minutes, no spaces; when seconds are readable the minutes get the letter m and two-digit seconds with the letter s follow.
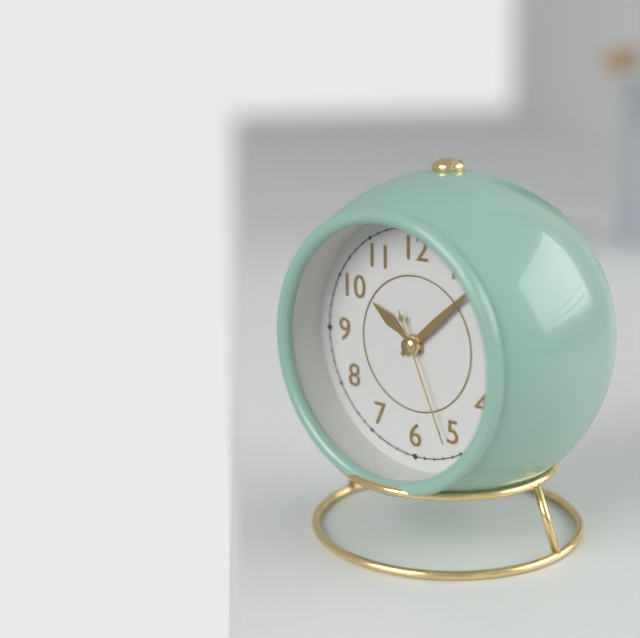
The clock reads 10h08m26s
